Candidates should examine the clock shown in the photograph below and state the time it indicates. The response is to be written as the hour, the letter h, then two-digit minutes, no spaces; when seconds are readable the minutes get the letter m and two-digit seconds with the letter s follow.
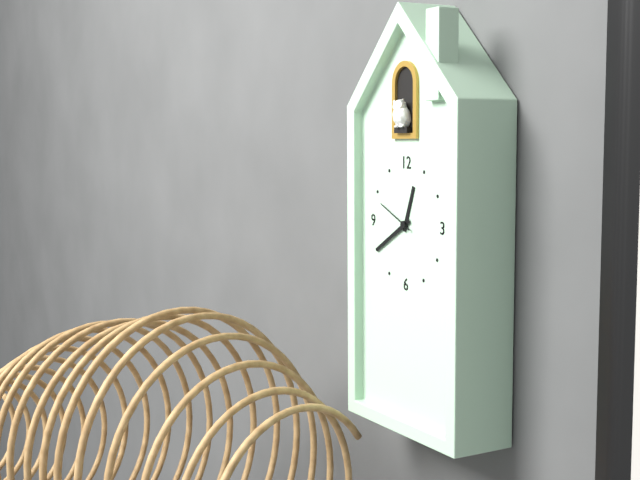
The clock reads 12h40
